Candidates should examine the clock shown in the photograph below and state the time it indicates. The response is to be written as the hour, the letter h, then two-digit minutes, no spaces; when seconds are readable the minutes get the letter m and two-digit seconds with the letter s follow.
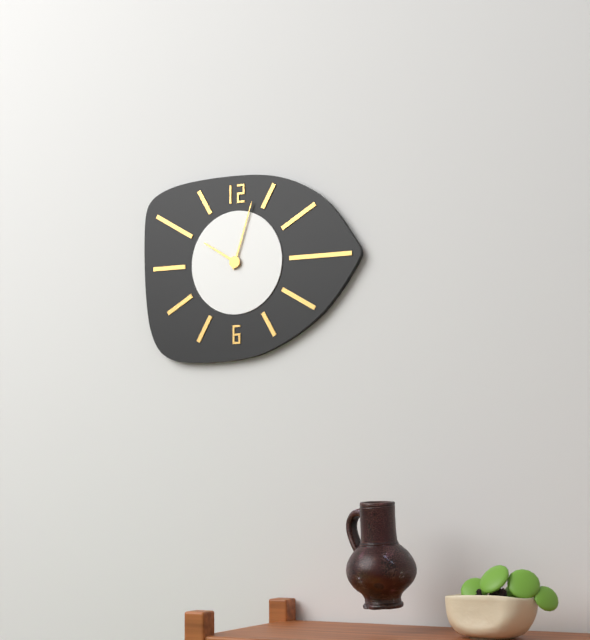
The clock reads 10h03
